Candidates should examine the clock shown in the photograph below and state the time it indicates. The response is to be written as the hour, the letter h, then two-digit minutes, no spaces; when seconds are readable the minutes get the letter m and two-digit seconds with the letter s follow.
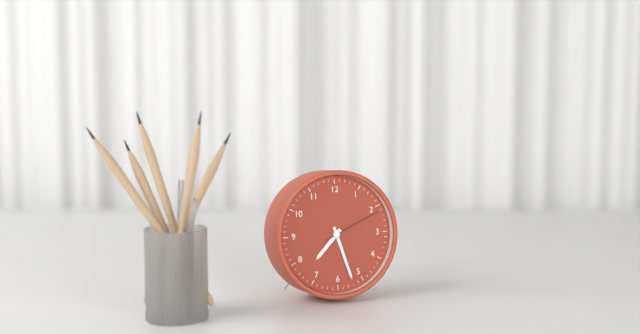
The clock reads 7h27m11s
